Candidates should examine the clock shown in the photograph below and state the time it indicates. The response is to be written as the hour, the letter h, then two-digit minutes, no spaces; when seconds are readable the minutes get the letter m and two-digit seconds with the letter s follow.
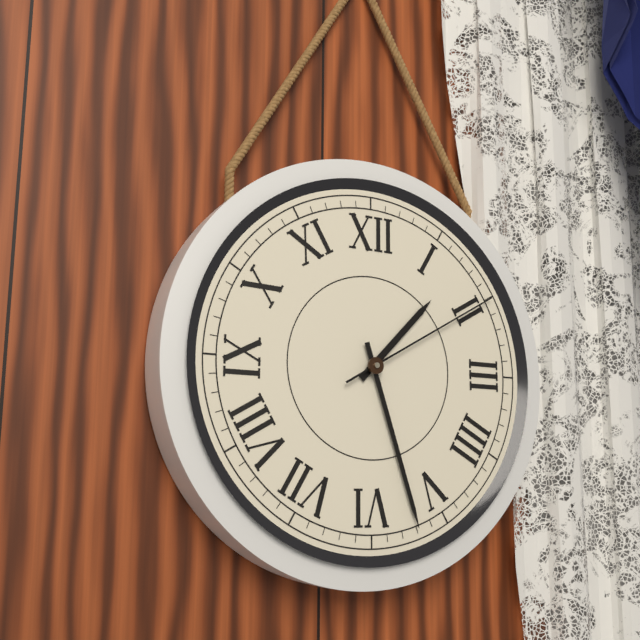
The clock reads 1h27m10s
